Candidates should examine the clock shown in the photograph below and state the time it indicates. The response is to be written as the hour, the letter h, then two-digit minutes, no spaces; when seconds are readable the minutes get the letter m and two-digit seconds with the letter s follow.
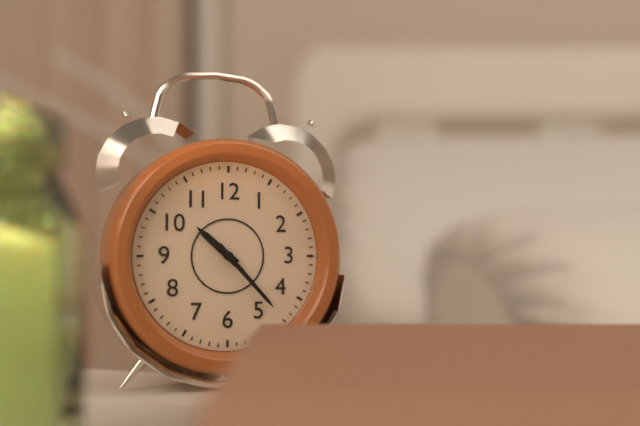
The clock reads 10h23
